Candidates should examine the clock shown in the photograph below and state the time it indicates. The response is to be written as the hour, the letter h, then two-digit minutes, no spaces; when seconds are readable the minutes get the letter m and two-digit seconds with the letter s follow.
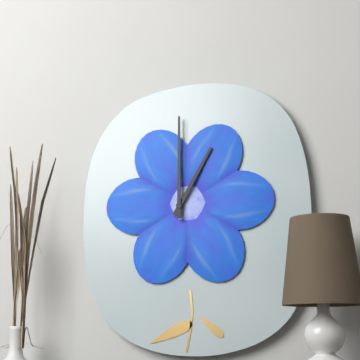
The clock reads 1h00
